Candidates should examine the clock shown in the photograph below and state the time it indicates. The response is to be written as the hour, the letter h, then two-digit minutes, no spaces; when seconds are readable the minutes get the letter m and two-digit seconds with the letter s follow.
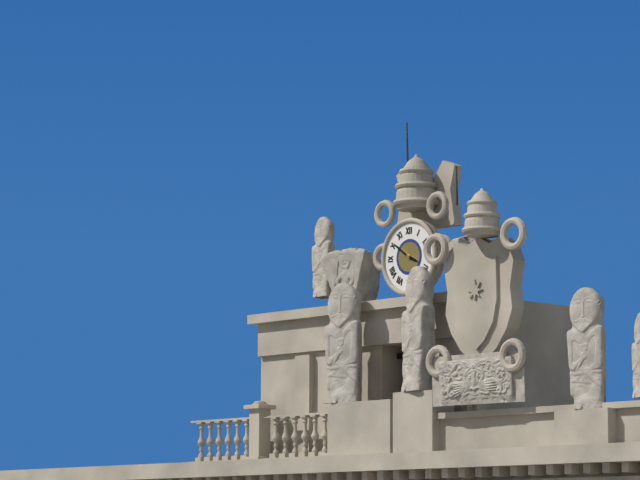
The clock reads 3h51
